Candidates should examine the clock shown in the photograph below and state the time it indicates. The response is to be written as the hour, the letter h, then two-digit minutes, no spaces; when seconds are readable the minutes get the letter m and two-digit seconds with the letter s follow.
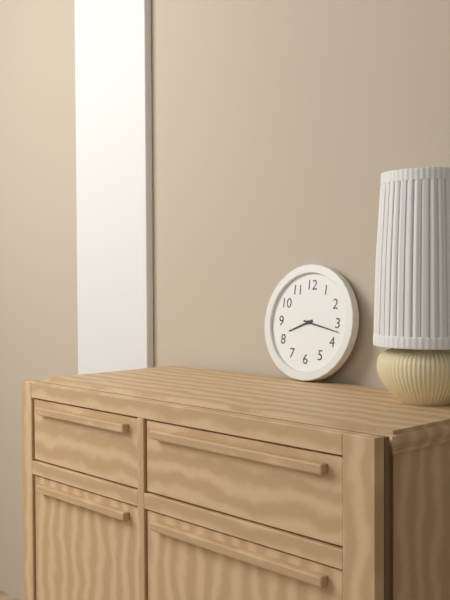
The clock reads 8h17
